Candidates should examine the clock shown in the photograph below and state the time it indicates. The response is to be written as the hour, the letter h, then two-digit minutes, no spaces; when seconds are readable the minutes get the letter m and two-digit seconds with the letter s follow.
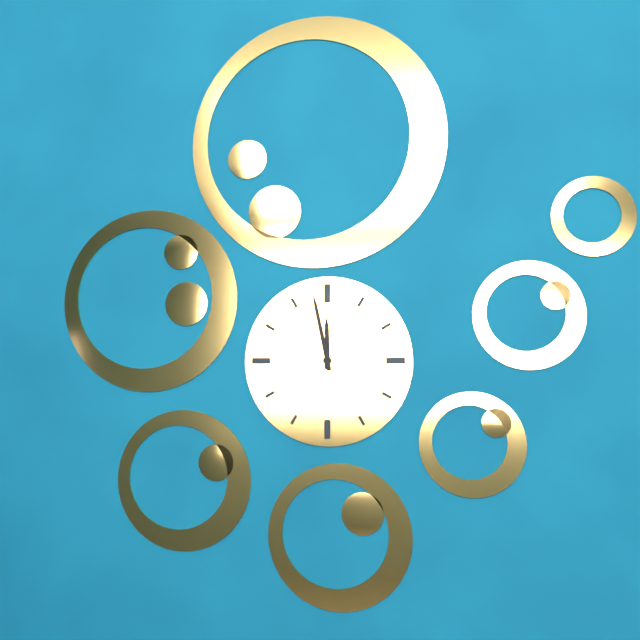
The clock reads 11h58
